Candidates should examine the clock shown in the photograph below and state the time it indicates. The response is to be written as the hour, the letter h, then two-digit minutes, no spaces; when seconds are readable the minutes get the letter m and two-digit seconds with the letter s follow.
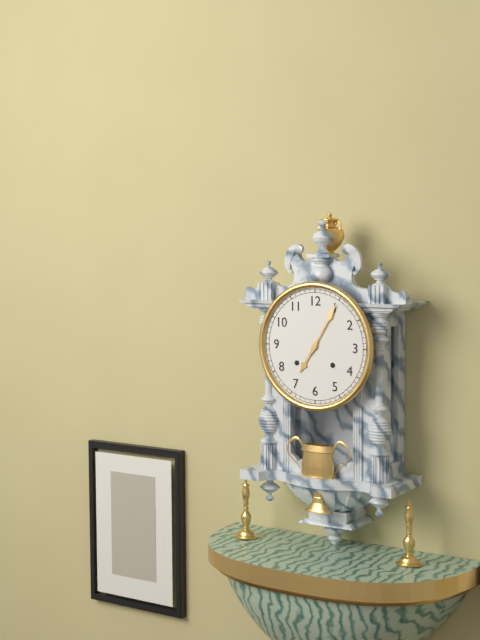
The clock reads 7h05
